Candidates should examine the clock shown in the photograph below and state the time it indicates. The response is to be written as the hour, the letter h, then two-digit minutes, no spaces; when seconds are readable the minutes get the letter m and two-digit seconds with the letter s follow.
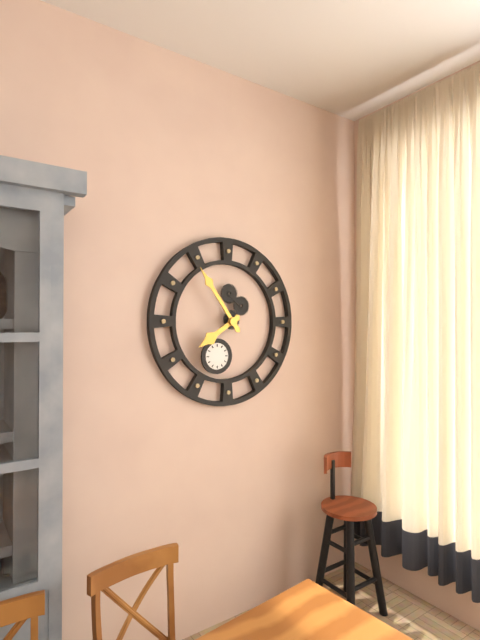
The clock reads 7h54
